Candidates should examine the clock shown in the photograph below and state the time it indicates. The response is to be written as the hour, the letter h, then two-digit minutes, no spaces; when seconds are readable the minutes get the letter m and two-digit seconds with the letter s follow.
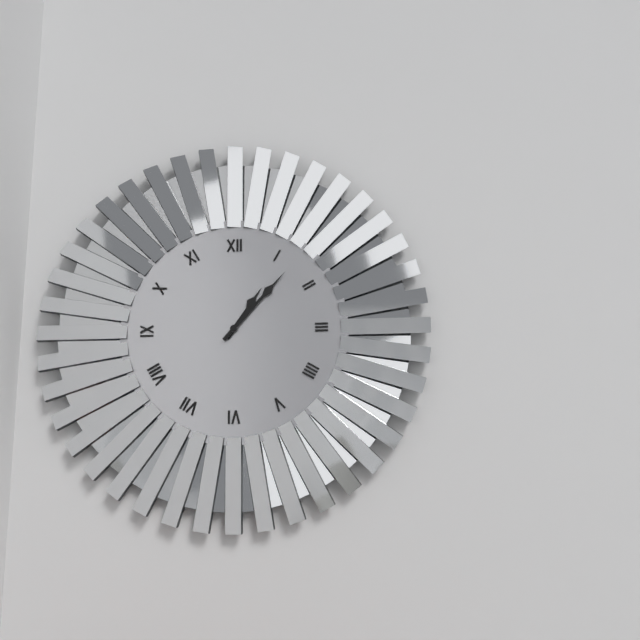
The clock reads 1h07
